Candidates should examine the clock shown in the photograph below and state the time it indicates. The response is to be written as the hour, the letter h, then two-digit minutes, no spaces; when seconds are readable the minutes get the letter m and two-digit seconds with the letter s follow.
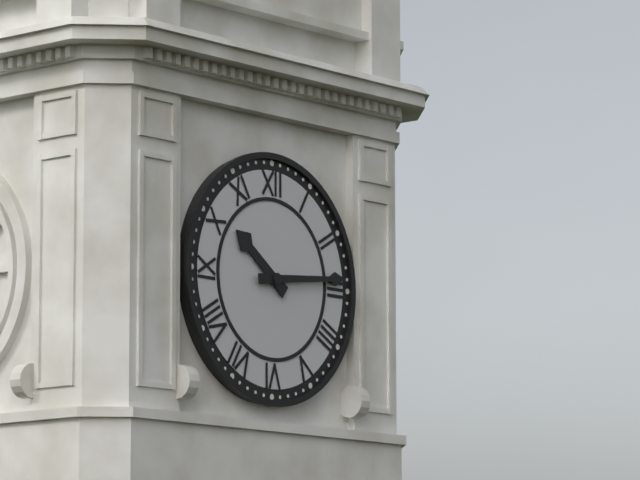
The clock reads 10h14
